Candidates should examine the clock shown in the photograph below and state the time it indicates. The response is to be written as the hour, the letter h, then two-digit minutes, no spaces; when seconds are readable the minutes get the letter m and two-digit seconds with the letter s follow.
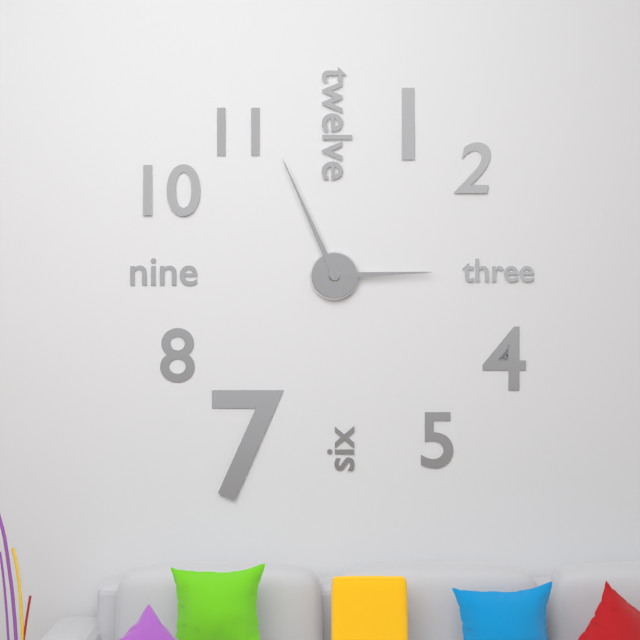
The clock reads 2h56
